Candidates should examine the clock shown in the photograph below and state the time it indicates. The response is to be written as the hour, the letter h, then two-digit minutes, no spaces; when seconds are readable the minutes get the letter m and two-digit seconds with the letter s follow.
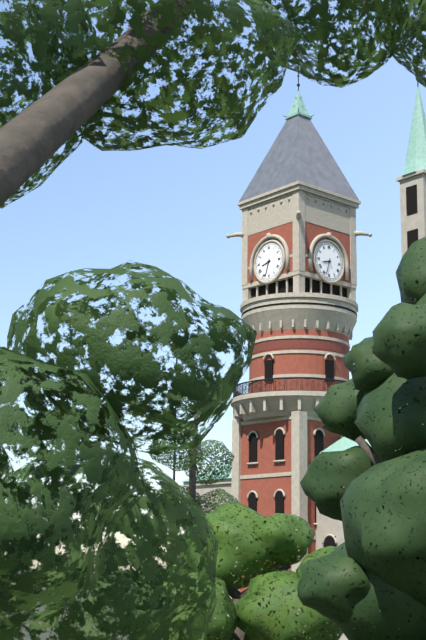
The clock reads 8h33
